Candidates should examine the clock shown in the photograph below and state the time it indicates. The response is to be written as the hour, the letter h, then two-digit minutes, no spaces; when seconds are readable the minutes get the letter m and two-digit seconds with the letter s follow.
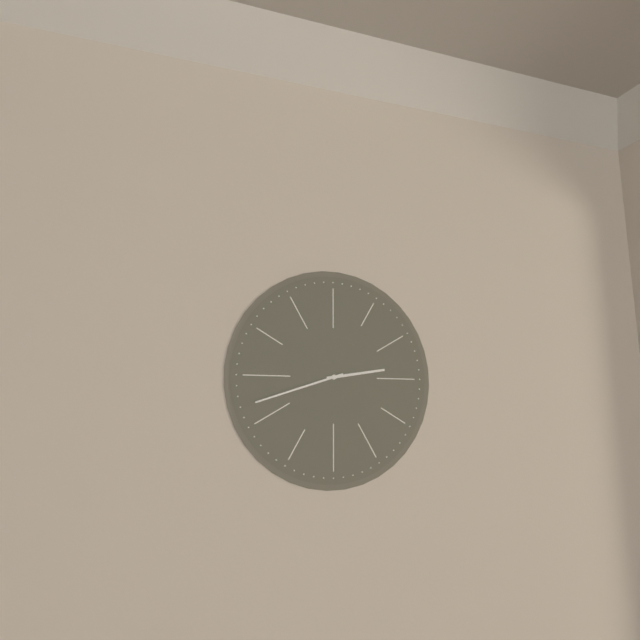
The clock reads 2h42
